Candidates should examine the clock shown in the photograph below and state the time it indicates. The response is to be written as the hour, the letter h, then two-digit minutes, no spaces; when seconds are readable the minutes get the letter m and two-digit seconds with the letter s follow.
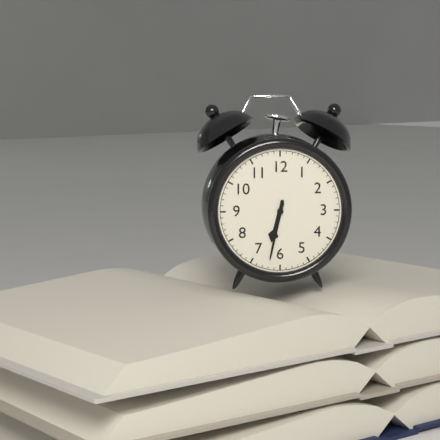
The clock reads 6h32
